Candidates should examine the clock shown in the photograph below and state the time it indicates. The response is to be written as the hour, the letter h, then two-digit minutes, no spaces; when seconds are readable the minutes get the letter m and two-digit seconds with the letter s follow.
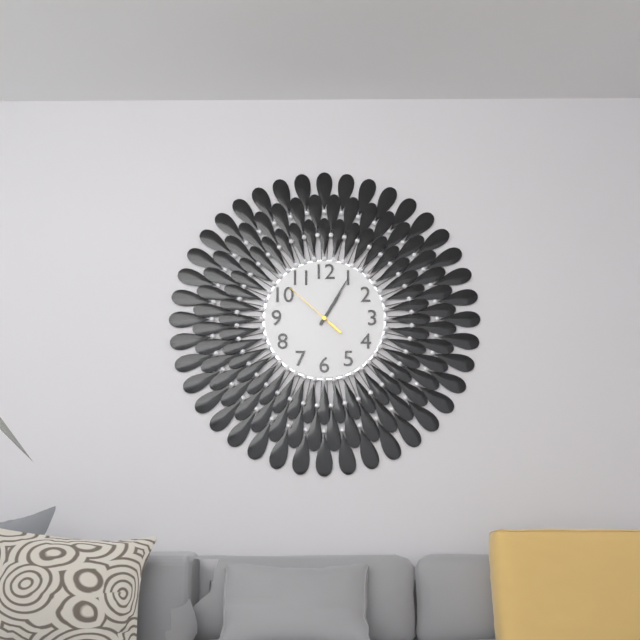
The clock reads 1h05m52s
